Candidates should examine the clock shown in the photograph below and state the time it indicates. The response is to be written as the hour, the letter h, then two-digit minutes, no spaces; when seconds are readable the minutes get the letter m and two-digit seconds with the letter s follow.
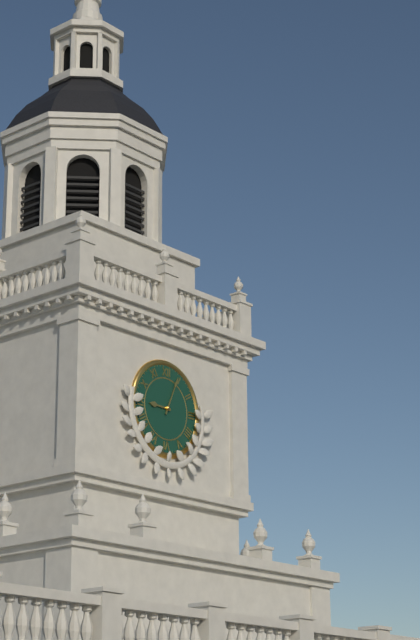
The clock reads 9h04
